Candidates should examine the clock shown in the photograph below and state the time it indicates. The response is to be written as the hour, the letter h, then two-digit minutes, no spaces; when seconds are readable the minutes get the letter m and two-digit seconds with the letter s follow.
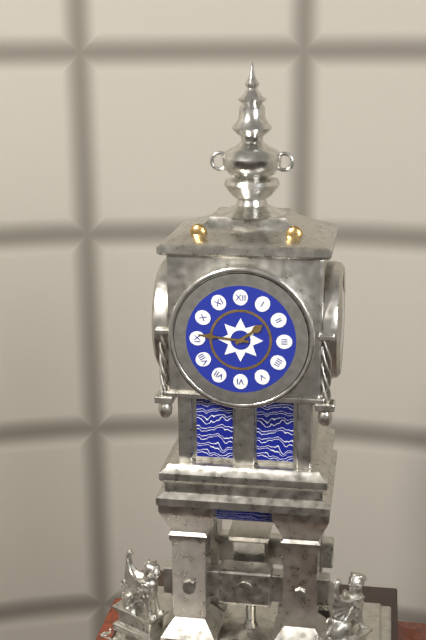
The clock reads 1h46
